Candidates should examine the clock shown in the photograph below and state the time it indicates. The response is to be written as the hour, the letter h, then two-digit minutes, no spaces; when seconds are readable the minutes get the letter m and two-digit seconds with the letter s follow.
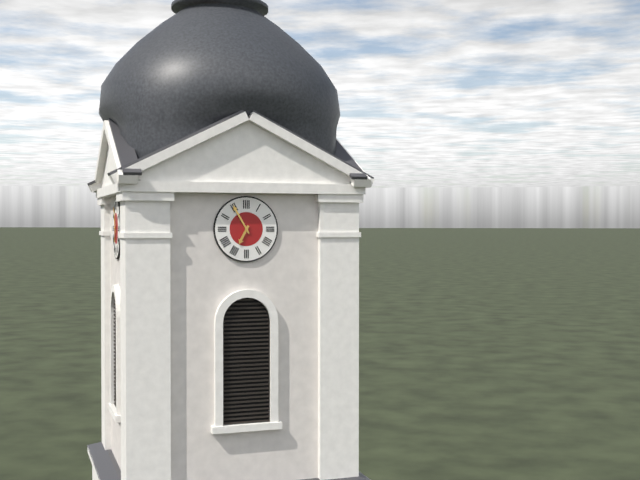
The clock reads 6h55
